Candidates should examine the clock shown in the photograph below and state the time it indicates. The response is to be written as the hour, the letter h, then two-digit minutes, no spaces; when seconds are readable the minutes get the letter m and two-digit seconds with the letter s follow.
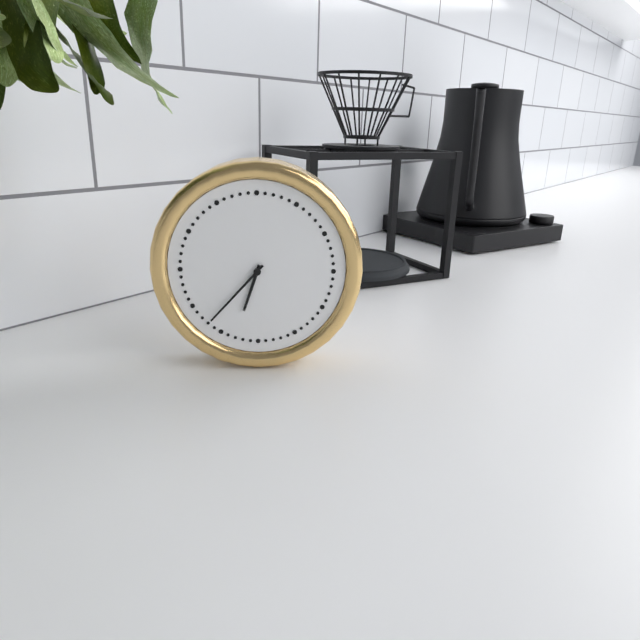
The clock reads 6h37
